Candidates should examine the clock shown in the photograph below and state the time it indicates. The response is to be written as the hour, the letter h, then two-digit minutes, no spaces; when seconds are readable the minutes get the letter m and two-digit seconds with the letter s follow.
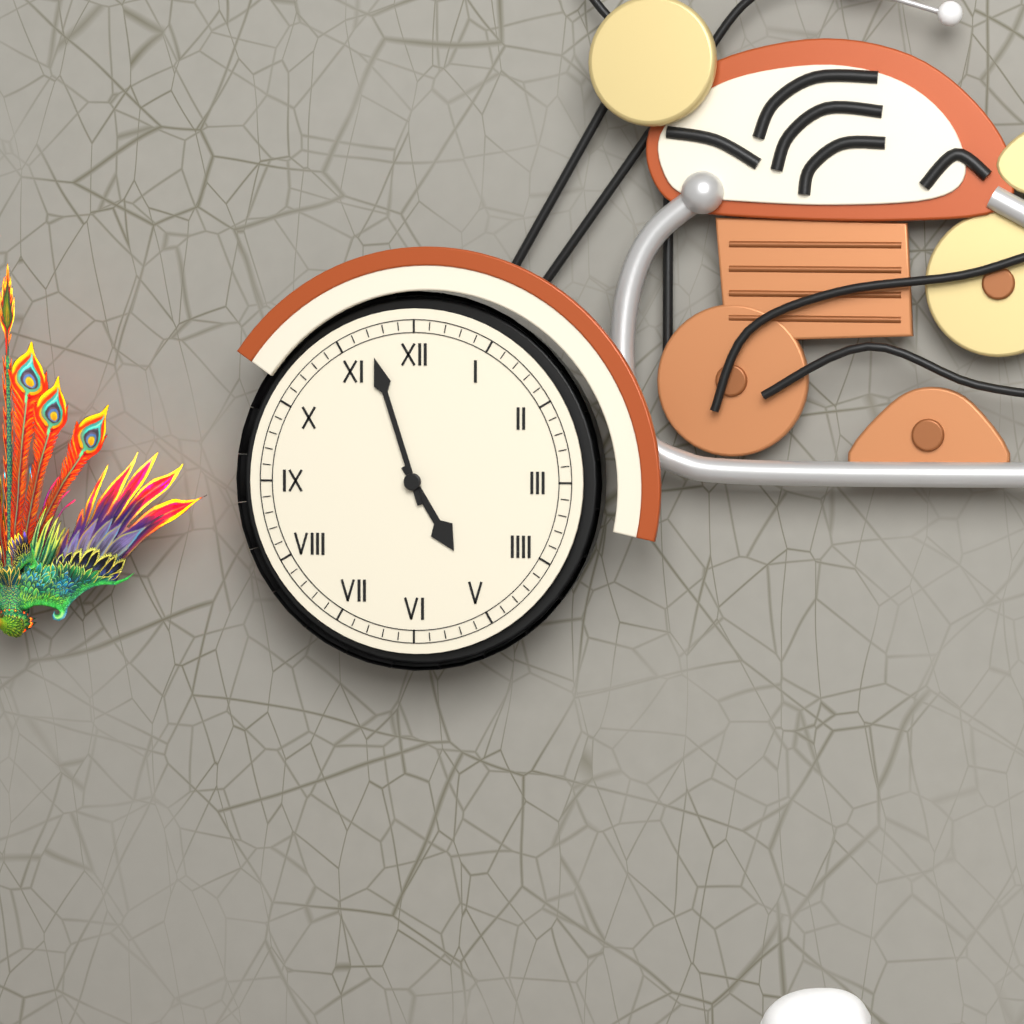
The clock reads 4h57
